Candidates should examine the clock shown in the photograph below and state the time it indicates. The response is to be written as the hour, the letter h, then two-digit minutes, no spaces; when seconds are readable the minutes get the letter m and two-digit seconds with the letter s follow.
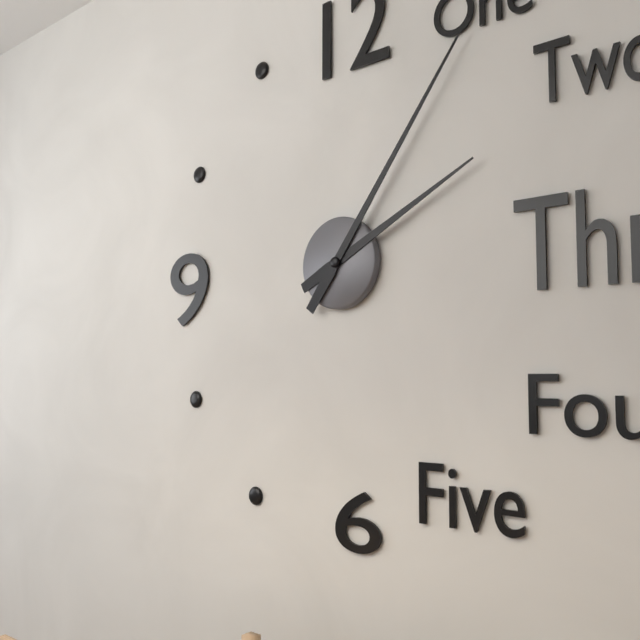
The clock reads 2h06
